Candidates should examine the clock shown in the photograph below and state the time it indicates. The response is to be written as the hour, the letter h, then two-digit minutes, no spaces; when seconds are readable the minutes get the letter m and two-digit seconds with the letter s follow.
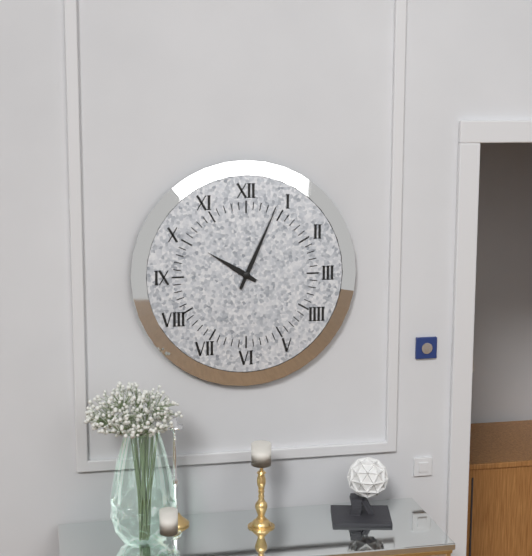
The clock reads 10h04
